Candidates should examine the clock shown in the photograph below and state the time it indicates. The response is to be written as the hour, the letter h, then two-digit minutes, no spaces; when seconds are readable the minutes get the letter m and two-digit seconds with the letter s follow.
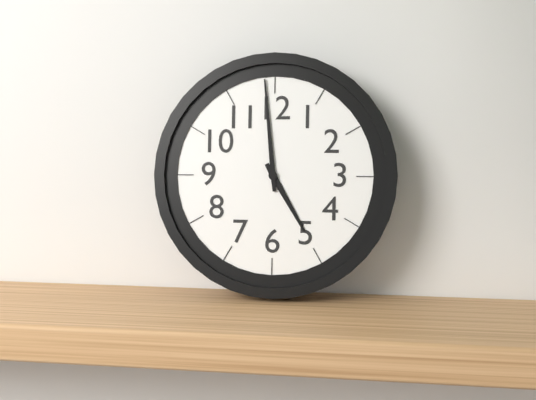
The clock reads 4h59
